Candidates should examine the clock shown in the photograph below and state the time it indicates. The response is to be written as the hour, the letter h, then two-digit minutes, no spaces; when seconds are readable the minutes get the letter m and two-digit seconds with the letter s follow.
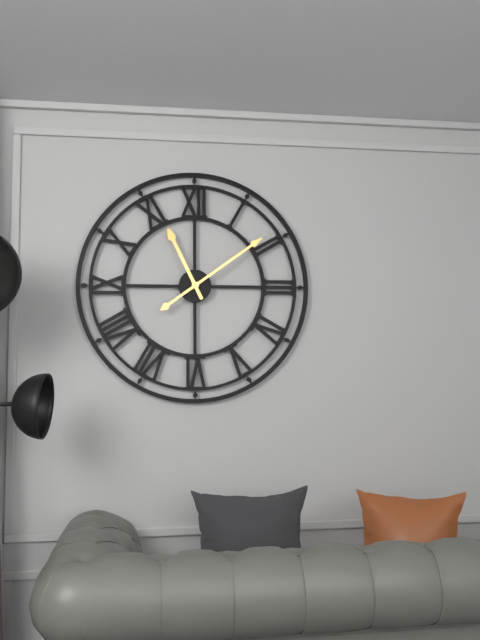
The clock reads 11h09
